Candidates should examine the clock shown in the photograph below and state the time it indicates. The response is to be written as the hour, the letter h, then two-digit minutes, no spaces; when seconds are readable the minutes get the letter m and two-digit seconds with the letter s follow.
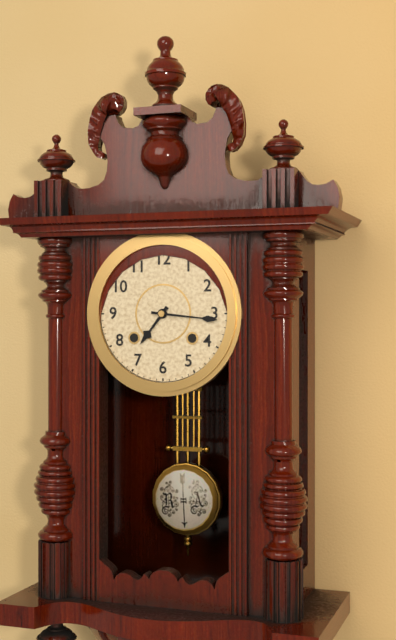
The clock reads 7h16
